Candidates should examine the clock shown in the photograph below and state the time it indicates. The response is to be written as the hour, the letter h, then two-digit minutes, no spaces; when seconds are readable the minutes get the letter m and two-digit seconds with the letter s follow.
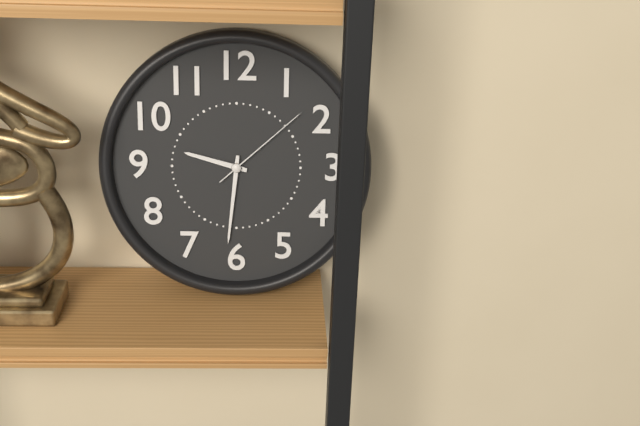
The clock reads 9h31m08s
